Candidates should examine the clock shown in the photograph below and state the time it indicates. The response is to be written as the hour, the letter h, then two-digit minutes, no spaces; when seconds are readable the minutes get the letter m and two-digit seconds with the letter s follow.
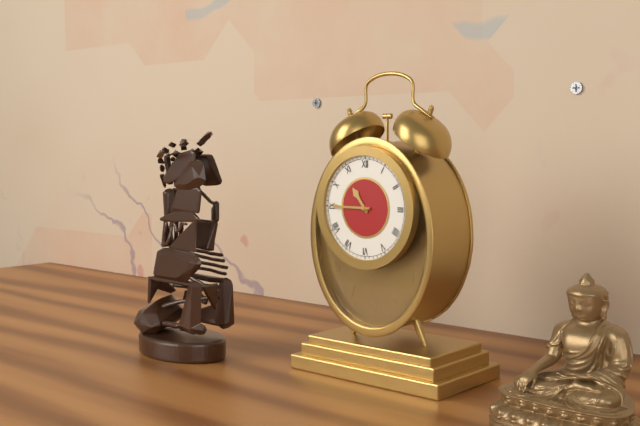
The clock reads 10h45
